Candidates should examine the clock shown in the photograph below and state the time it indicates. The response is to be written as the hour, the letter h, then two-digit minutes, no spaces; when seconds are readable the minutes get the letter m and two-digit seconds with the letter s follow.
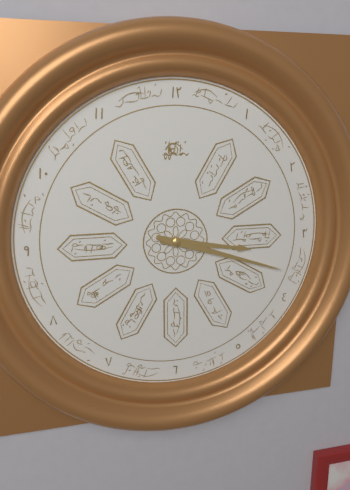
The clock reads 3h18
